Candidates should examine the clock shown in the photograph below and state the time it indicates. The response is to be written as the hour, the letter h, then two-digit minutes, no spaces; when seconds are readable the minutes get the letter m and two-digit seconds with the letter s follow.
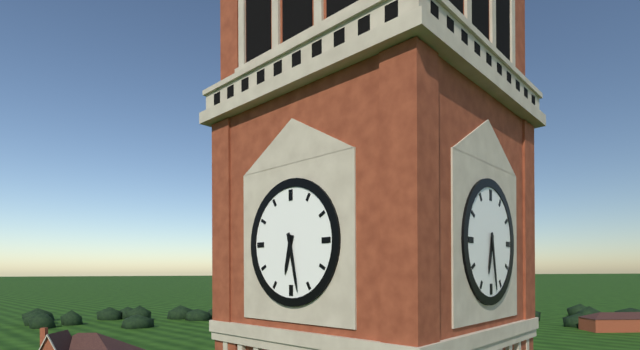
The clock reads 6h28
